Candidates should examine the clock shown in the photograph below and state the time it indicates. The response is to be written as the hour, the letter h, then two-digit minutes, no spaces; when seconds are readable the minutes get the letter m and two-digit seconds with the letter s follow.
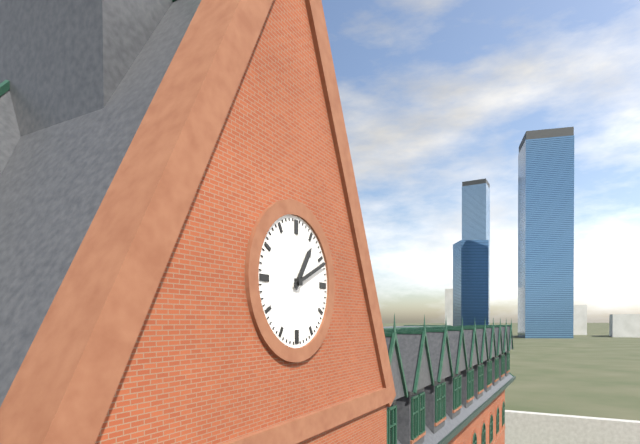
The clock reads 1h11
